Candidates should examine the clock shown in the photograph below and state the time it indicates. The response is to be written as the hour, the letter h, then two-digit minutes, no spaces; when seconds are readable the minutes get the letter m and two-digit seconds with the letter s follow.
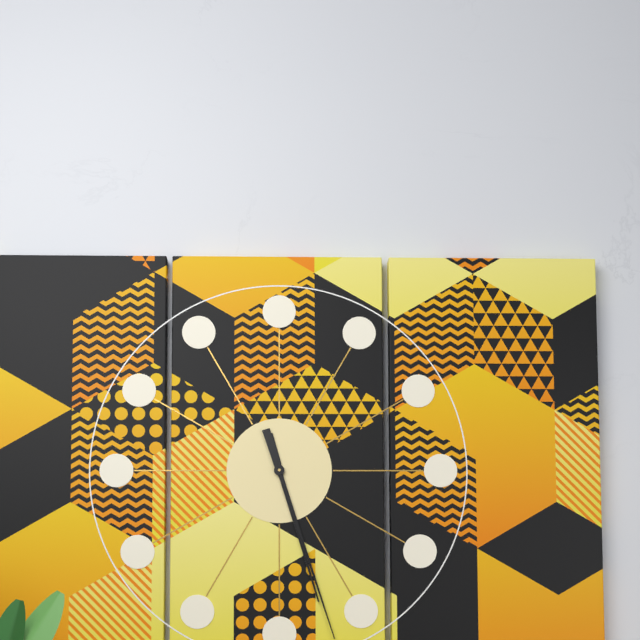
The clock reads 5h27
